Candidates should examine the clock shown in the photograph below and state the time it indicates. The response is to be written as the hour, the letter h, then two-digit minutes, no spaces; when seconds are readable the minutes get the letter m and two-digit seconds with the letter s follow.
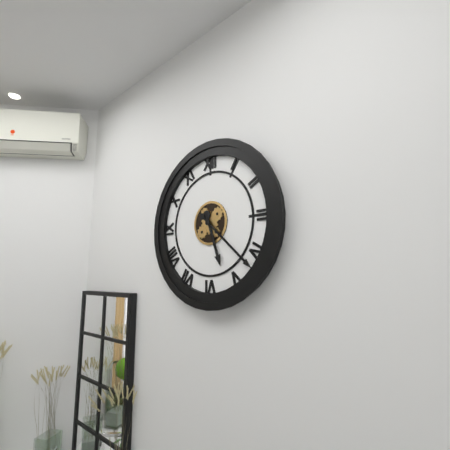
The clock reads 5h22
